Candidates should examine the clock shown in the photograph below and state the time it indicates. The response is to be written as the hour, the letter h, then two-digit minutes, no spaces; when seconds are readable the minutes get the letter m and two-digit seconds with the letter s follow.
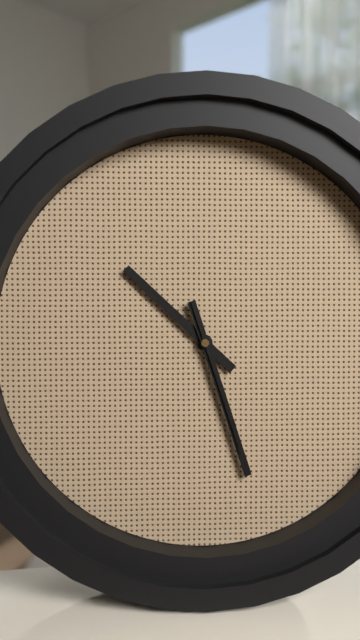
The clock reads 10h27m27s
